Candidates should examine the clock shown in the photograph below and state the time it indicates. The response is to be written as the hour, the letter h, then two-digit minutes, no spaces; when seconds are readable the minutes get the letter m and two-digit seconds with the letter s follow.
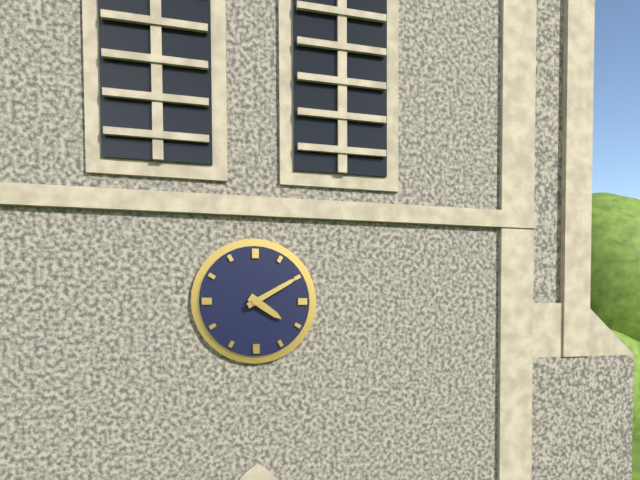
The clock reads 4h10
